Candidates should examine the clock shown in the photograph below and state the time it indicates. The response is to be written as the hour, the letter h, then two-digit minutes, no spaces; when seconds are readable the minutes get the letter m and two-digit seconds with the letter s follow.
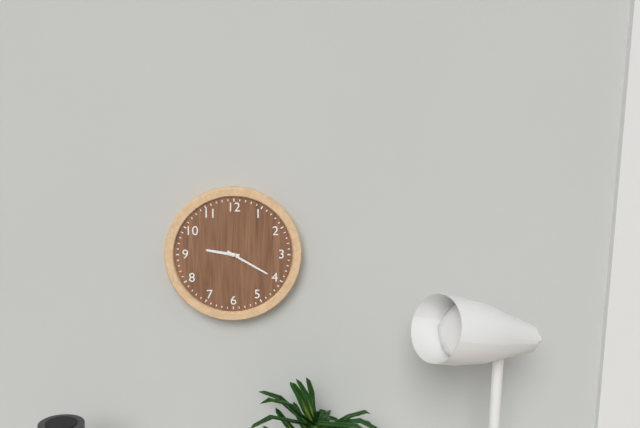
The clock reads 9h20
